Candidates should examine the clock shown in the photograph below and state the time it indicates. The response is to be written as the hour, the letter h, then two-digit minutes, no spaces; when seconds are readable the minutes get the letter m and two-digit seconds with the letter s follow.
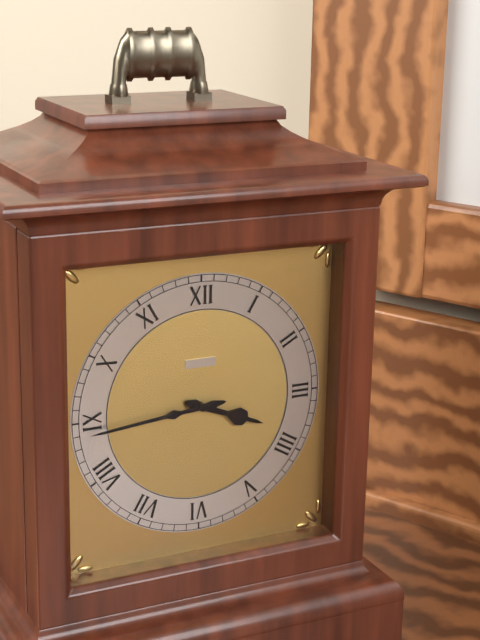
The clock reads 3h44
